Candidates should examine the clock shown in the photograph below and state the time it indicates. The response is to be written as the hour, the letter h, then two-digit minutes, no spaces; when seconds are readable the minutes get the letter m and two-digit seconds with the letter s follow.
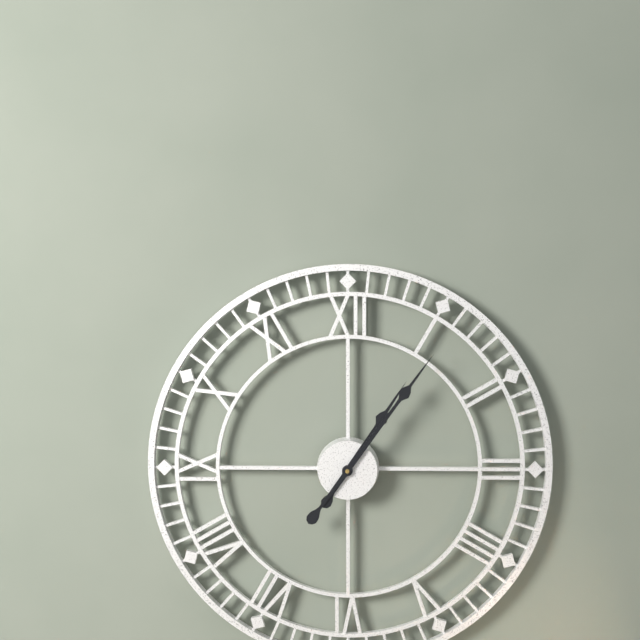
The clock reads 1h06
